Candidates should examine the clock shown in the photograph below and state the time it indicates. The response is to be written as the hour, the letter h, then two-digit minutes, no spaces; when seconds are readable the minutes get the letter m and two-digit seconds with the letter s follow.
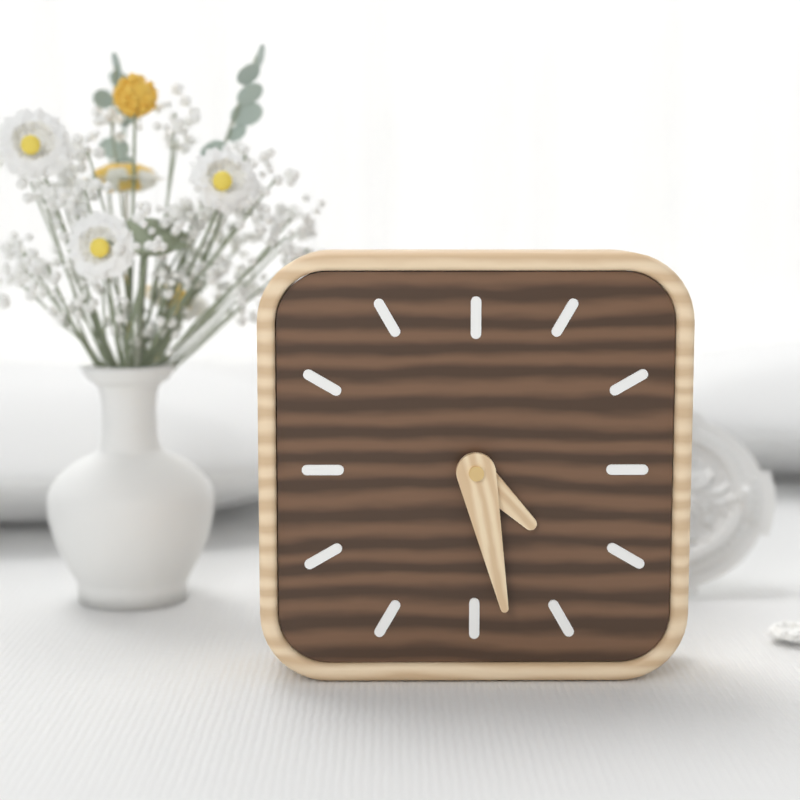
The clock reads 4h28
